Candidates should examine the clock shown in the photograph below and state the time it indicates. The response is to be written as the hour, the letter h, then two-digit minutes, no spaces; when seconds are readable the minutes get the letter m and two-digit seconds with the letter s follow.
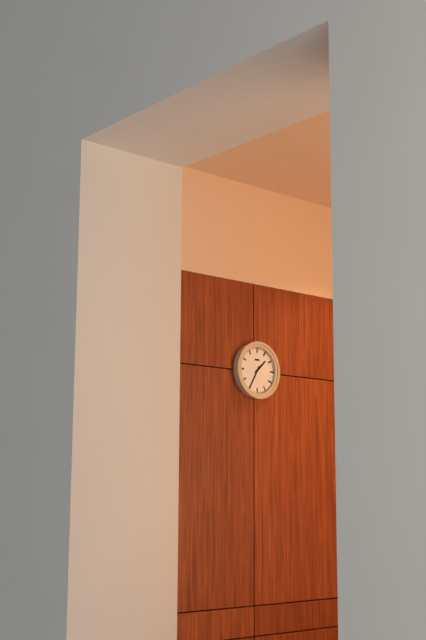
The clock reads 1h35
